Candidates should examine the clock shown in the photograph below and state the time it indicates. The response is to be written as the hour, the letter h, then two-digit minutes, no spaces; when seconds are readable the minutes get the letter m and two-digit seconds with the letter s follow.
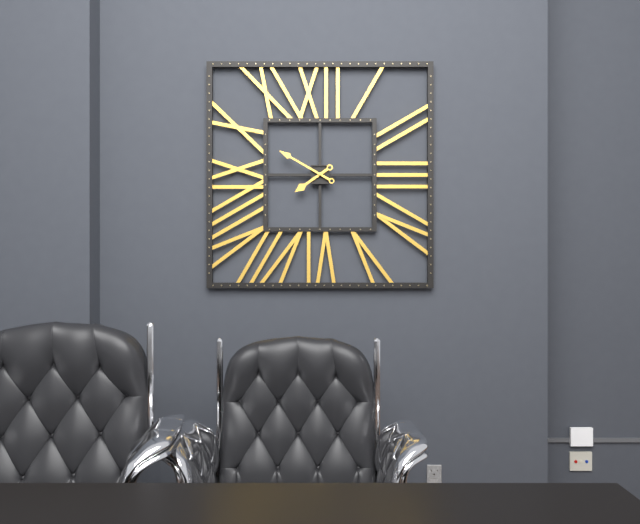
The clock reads 7h50
